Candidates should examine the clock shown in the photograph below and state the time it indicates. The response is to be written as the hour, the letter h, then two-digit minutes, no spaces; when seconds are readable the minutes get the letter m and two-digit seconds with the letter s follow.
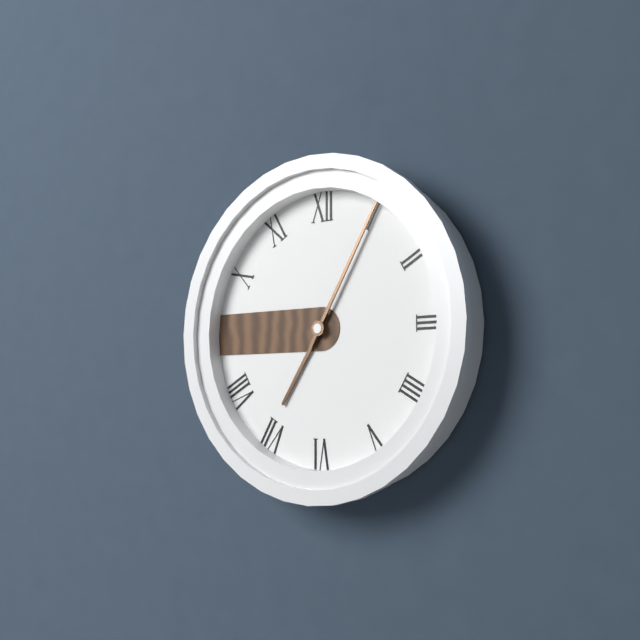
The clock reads 7h05
